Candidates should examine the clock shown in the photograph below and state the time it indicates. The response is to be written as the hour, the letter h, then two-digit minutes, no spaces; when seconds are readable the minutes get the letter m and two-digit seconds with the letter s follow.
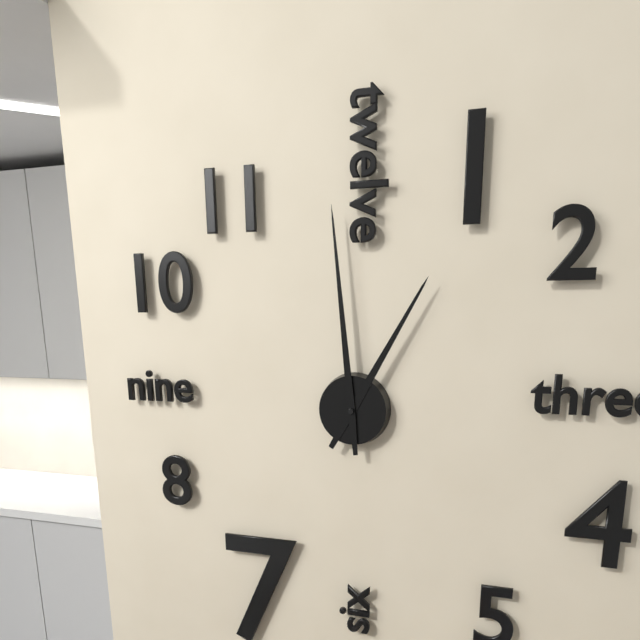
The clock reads 12h59
